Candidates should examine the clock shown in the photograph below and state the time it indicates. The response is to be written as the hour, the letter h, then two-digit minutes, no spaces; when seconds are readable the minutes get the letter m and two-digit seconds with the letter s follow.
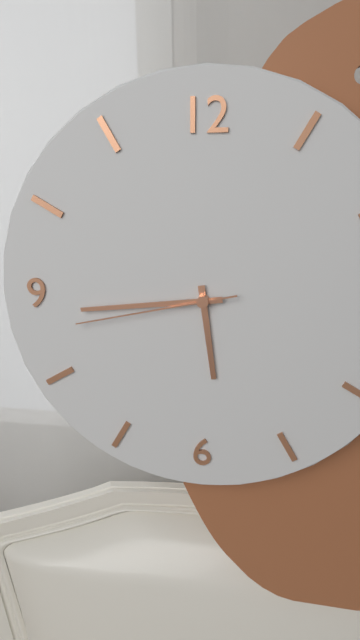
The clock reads 5h44m43s
